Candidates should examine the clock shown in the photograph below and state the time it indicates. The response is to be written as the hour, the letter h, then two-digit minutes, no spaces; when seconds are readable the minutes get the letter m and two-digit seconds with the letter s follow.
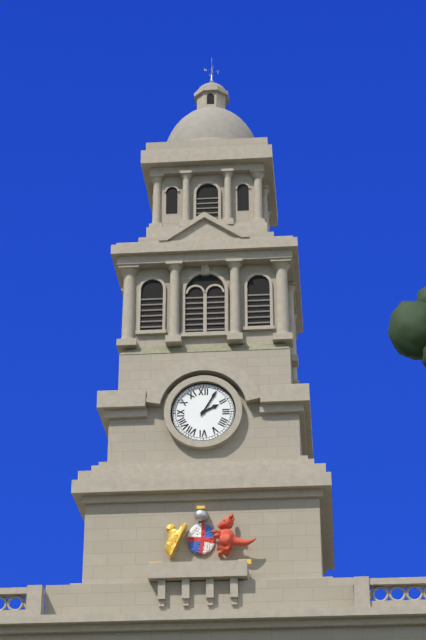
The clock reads 2h05
